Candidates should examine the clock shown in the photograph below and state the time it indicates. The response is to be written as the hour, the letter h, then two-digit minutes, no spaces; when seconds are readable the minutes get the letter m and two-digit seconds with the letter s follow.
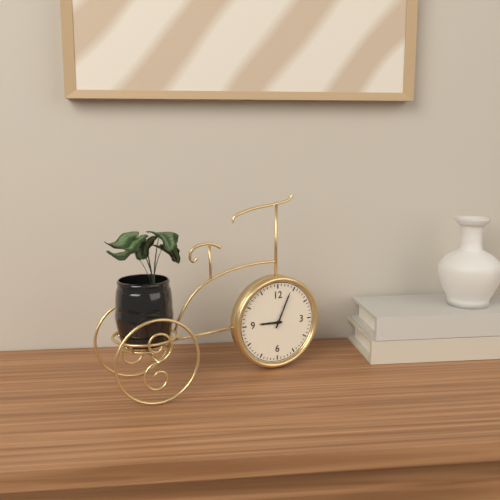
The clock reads 9h04
